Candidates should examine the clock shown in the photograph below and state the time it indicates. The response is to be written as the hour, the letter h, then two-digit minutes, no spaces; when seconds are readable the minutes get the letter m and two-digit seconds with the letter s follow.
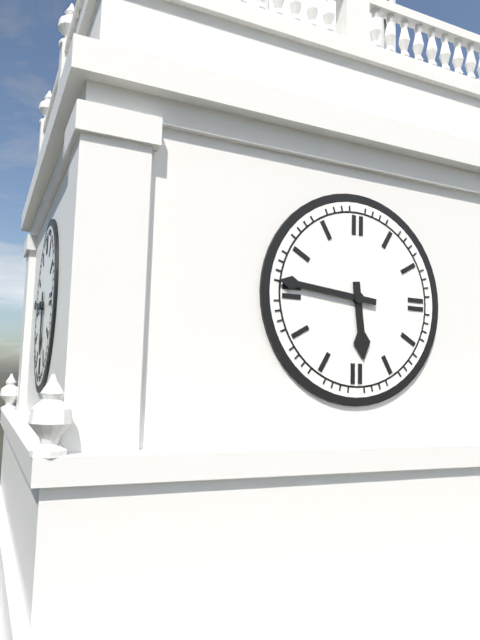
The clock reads 5h46
